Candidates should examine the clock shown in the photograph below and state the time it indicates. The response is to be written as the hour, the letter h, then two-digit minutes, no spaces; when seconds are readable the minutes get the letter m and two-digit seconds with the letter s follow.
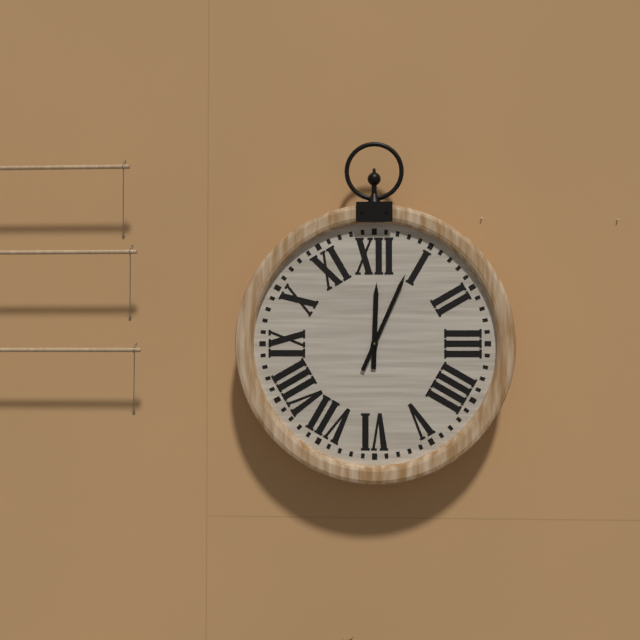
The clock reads 12h04
